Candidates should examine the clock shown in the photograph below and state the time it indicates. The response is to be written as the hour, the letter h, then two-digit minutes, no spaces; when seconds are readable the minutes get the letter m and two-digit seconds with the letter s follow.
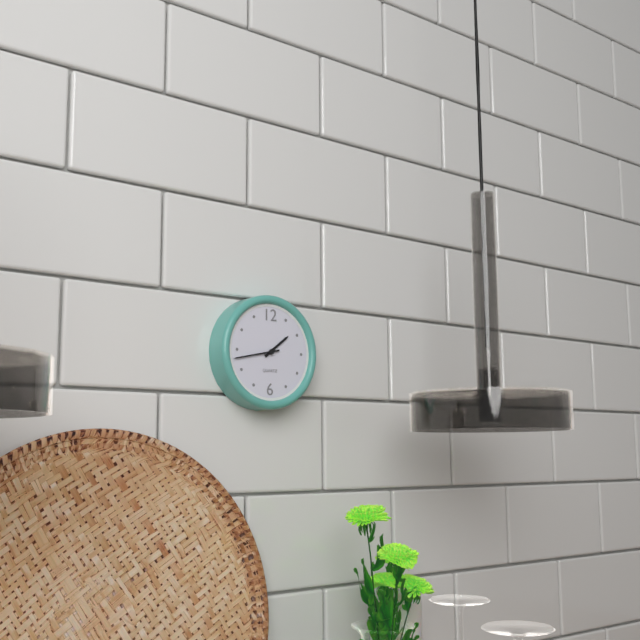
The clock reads 1h43
